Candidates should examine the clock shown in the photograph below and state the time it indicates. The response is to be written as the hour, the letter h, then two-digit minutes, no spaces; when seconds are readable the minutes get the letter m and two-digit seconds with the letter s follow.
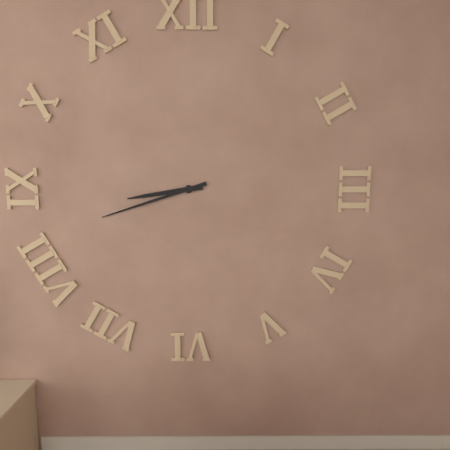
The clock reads 8h42
